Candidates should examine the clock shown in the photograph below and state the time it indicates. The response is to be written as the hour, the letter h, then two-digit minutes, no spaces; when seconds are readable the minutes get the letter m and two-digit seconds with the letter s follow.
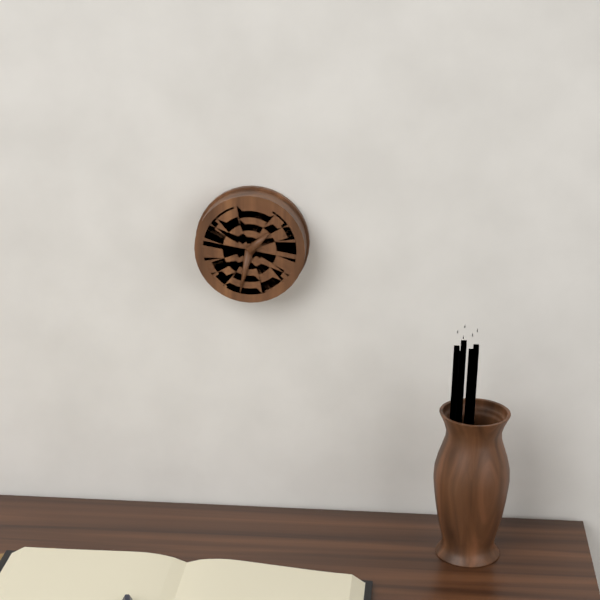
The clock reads 1h32
